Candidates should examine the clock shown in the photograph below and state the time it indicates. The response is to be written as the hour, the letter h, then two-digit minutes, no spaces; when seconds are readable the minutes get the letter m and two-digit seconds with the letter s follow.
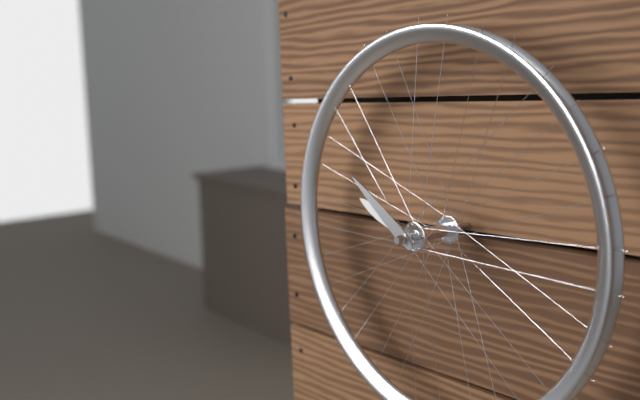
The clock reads 9h51
